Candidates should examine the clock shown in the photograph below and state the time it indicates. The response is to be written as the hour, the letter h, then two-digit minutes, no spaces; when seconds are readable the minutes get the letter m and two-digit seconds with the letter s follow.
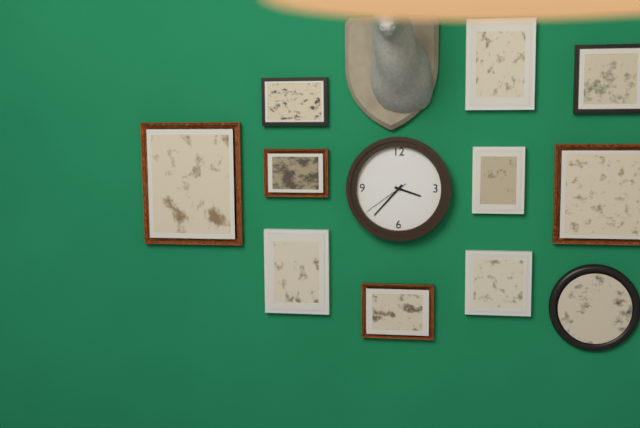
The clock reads 3h37m39s
